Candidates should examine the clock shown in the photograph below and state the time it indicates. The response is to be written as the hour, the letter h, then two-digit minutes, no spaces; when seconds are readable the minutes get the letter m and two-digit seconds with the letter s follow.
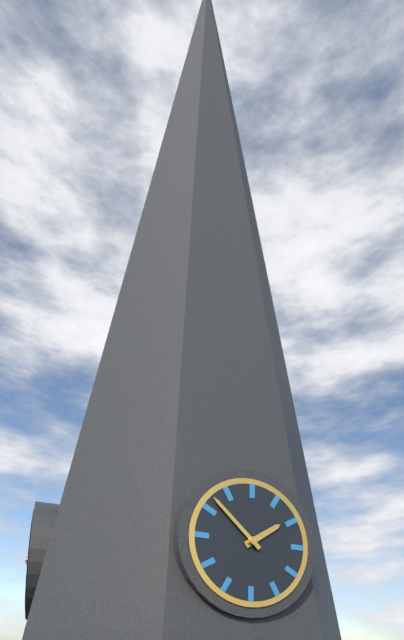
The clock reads 1h52
